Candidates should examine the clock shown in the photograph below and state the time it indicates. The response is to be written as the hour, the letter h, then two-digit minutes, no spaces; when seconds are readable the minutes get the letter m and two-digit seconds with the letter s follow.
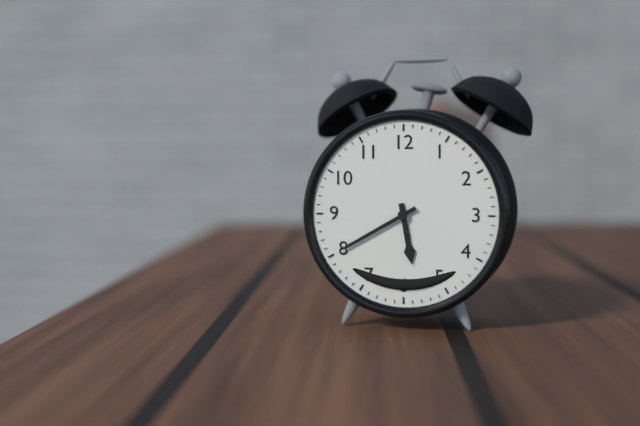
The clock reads 5h40
